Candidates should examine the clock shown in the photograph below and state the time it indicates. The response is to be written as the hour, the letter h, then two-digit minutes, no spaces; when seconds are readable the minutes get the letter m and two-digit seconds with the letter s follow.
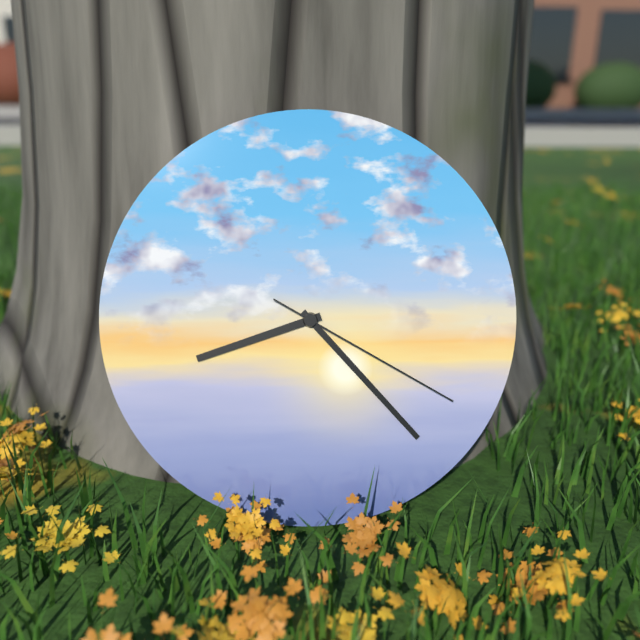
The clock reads 8h23m20s
